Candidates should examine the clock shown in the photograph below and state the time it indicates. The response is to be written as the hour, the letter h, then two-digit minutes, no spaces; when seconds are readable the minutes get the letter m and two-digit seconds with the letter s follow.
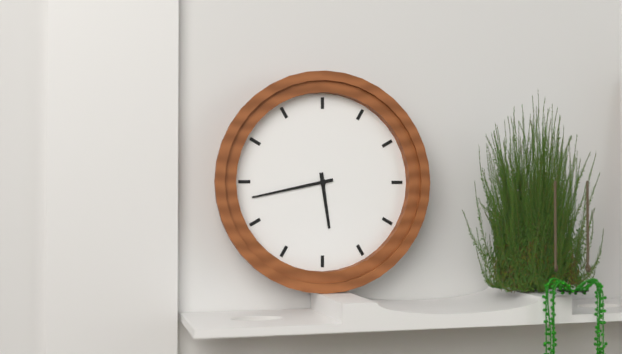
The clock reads 5h43
